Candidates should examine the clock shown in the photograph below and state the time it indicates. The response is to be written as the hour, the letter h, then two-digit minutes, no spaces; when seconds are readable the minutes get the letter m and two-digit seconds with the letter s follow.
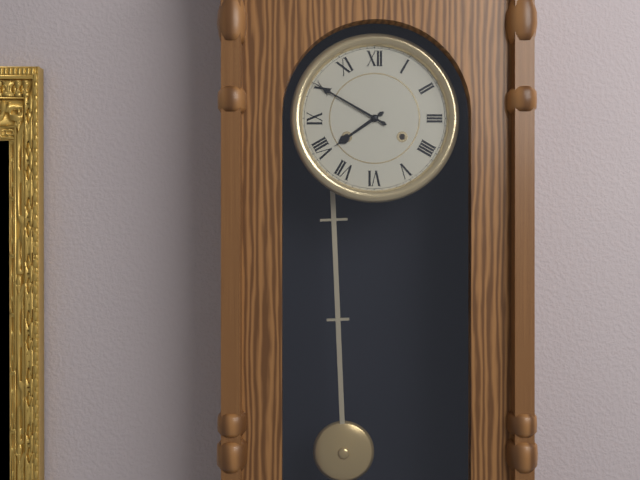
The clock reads 7h50
